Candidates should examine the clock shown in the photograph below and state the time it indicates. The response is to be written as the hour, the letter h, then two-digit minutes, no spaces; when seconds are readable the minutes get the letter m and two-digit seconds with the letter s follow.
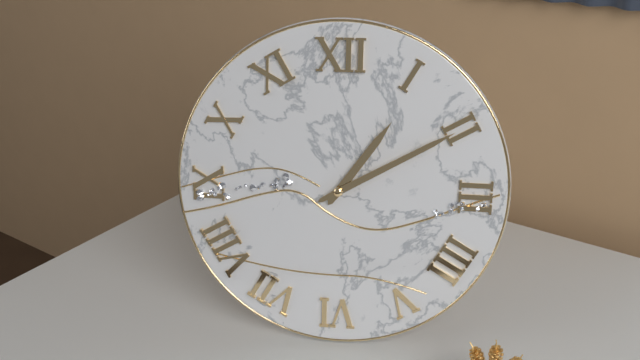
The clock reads 1h10
